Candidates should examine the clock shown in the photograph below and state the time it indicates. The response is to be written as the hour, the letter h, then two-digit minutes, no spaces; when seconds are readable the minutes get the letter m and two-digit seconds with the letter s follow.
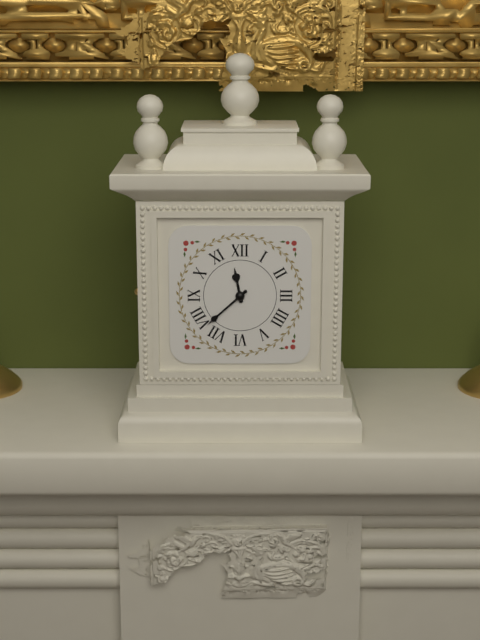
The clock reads 11h38
